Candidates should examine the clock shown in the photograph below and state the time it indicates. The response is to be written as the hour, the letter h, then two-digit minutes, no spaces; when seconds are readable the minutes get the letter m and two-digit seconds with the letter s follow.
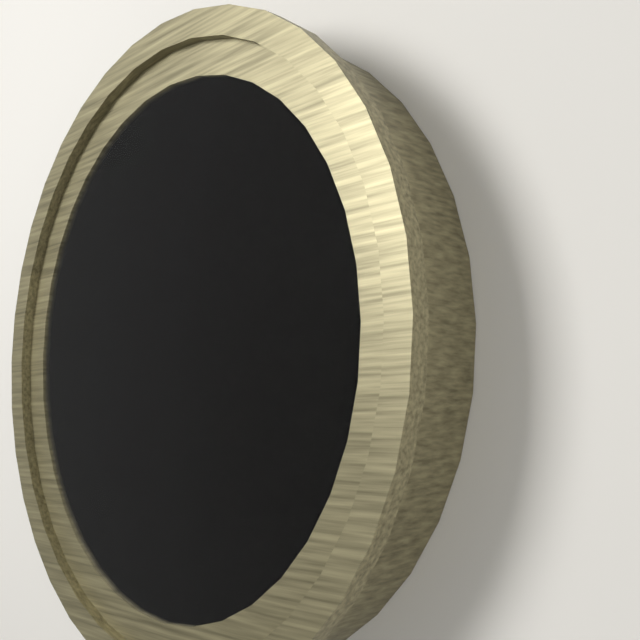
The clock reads 6h51
